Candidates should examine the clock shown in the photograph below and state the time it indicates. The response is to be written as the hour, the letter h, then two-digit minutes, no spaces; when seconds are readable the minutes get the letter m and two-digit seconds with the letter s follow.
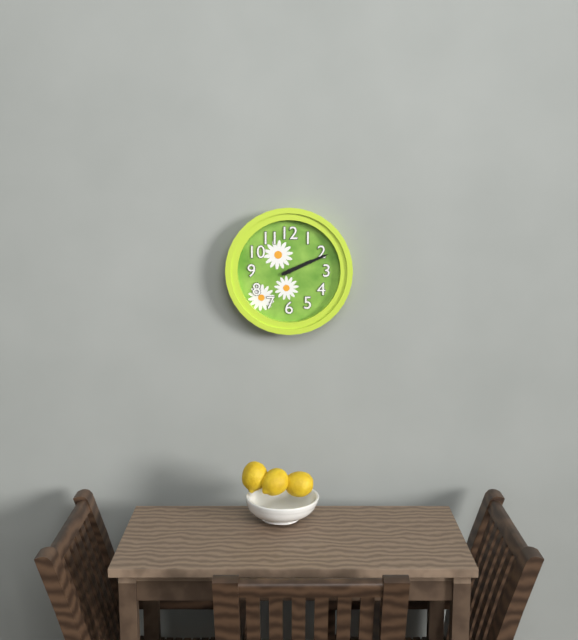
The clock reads 2h11
